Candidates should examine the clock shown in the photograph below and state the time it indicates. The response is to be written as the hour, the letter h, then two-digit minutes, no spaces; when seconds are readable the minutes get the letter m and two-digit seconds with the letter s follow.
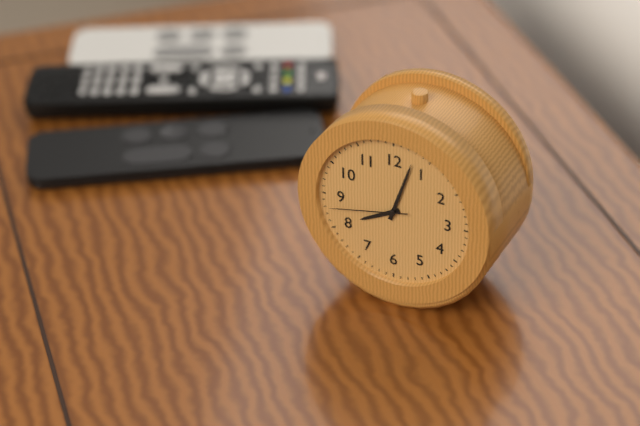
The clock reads 8h03m43s
